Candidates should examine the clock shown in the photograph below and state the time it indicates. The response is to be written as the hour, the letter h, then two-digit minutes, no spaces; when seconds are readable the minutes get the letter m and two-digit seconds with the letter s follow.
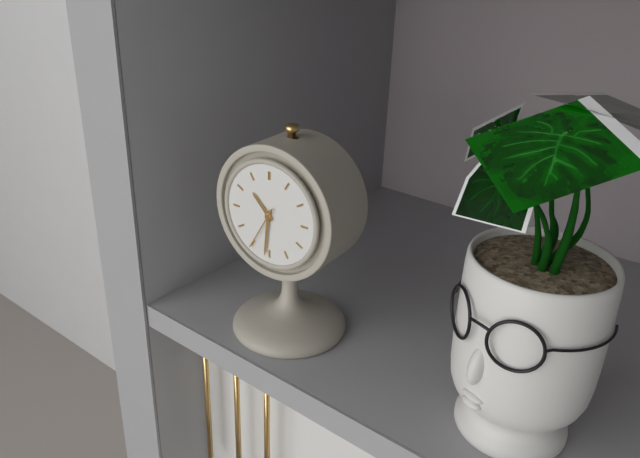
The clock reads 10h31
